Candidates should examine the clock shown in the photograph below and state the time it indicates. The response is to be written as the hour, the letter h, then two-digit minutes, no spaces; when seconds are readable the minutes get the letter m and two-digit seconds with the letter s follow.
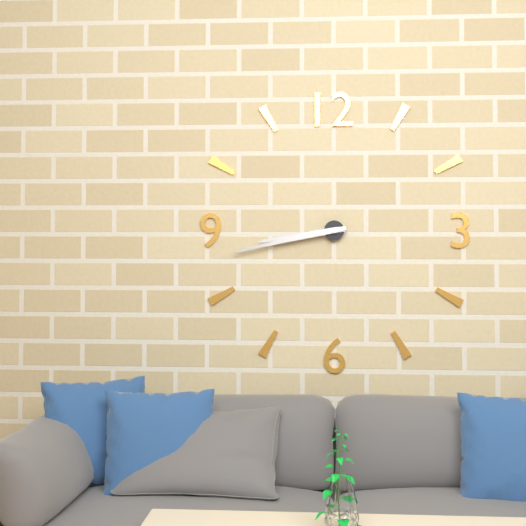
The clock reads 8h43
